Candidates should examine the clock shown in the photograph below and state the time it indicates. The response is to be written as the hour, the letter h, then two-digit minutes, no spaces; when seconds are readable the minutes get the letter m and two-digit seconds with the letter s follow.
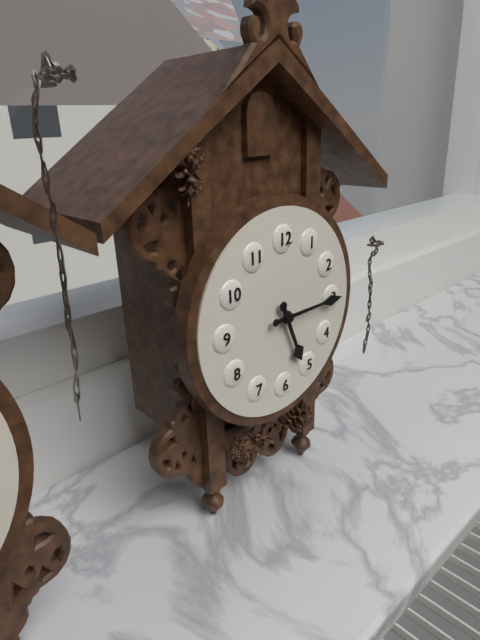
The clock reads 5h15
